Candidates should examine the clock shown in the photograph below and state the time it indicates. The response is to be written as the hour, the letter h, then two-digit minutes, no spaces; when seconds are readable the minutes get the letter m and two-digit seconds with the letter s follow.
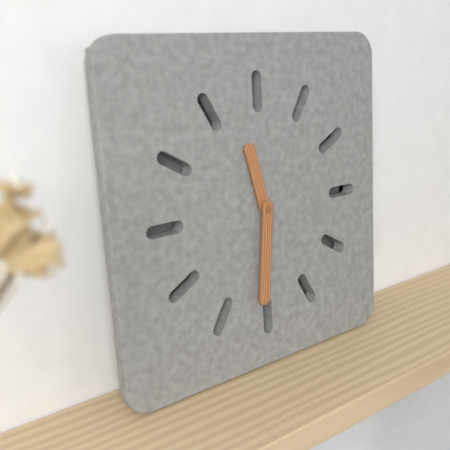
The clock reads 11h31
